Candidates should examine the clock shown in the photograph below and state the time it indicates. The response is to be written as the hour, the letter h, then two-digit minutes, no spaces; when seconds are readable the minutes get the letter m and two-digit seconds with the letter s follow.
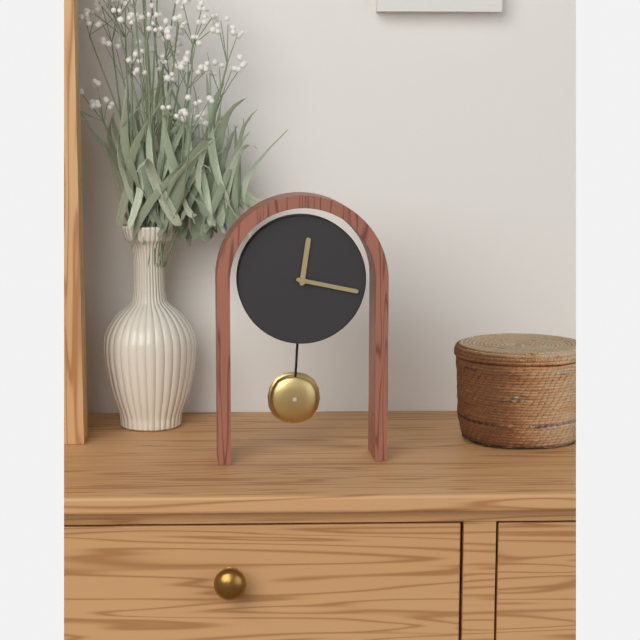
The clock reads 12h17
